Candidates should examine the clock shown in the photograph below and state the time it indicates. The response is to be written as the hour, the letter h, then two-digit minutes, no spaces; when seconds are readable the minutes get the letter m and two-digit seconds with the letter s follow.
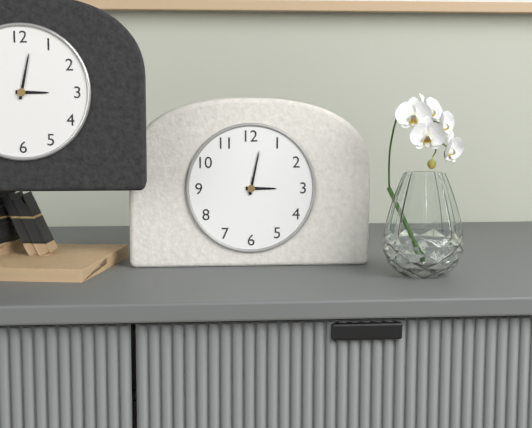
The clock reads 3h02
